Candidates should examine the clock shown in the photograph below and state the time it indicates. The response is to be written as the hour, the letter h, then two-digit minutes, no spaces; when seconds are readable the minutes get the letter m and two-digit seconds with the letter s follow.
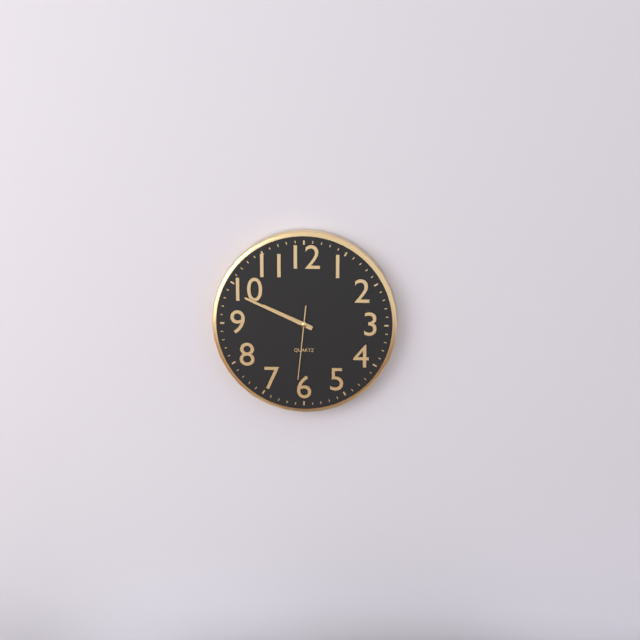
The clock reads 9h49m31s
